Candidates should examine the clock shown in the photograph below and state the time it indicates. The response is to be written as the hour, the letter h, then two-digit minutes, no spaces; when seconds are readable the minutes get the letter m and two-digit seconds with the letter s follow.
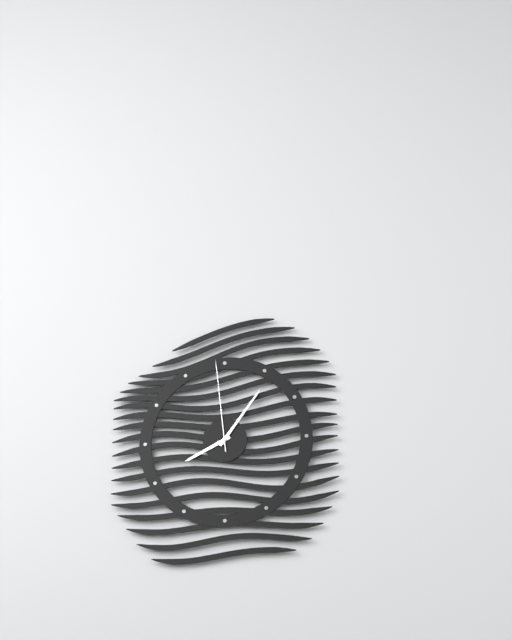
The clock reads 8h06m59s
